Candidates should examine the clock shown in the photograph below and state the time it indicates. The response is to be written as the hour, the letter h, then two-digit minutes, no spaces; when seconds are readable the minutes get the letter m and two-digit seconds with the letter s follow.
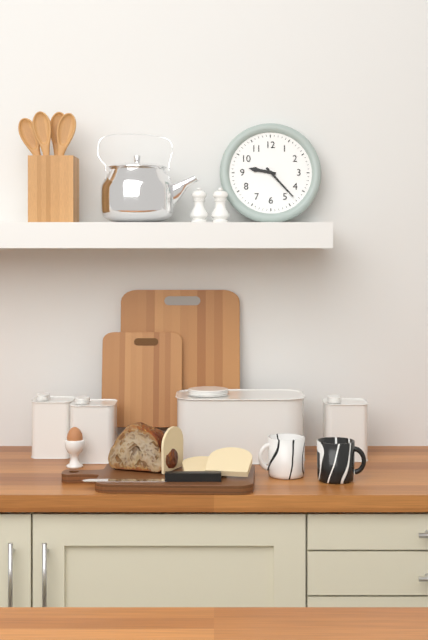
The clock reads 9h23
